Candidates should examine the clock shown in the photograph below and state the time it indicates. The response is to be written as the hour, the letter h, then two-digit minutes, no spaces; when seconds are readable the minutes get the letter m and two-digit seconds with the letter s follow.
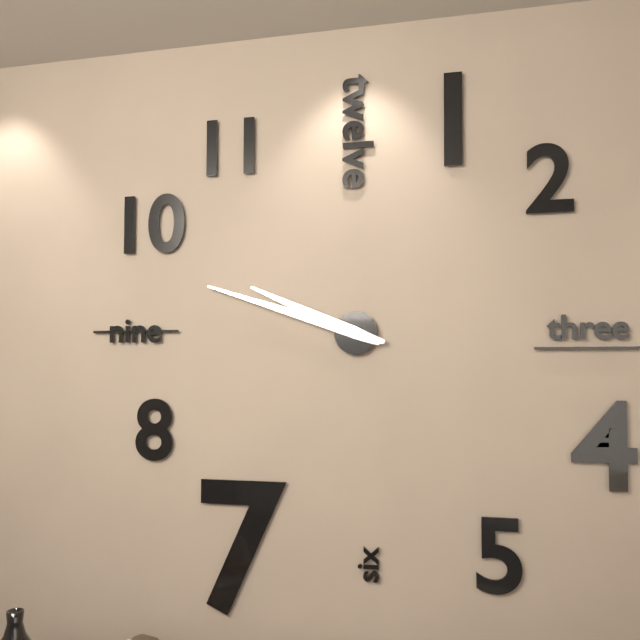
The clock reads 9h48
